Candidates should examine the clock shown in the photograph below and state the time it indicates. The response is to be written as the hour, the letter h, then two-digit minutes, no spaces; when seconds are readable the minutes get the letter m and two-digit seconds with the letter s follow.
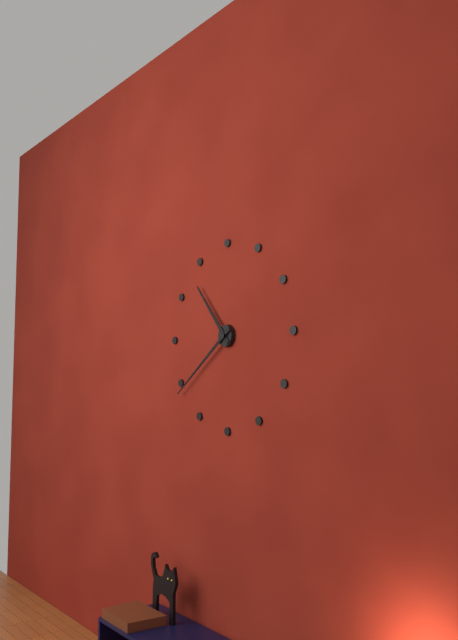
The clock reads 10h39
